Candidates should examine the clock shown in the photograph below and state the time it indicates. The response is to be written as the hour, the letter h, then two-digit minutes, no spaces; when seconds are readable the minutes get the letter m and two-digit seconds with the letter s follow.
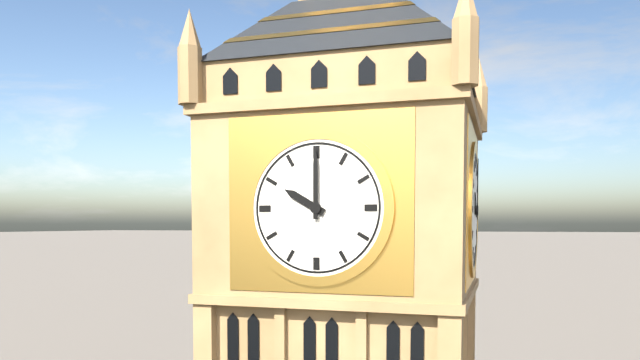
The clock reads 10h00
